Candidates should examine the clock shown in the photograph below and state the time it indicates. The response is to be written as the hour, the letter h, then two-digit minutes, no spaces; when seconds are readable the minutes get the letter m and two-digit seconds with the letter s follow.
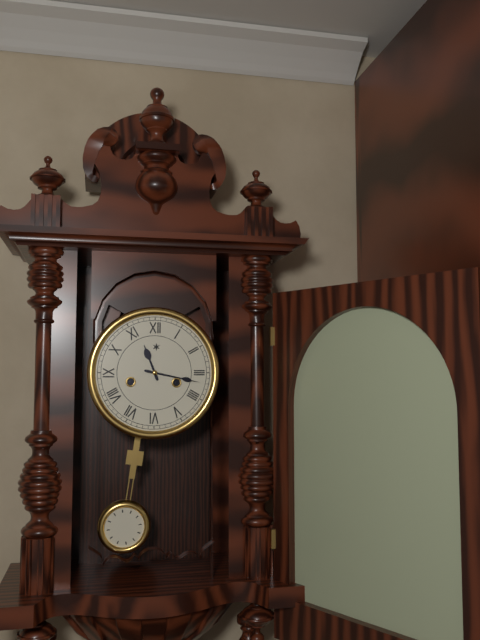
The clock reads 11h17
